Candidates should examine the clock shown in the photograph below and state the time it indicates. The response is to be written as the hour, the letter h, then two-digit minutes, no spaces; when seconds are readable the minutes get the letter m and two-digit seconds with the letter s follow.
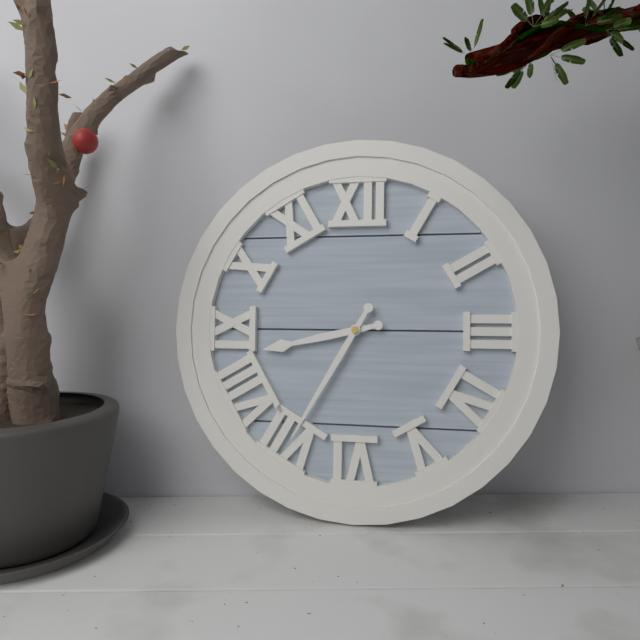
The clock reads 8h35
